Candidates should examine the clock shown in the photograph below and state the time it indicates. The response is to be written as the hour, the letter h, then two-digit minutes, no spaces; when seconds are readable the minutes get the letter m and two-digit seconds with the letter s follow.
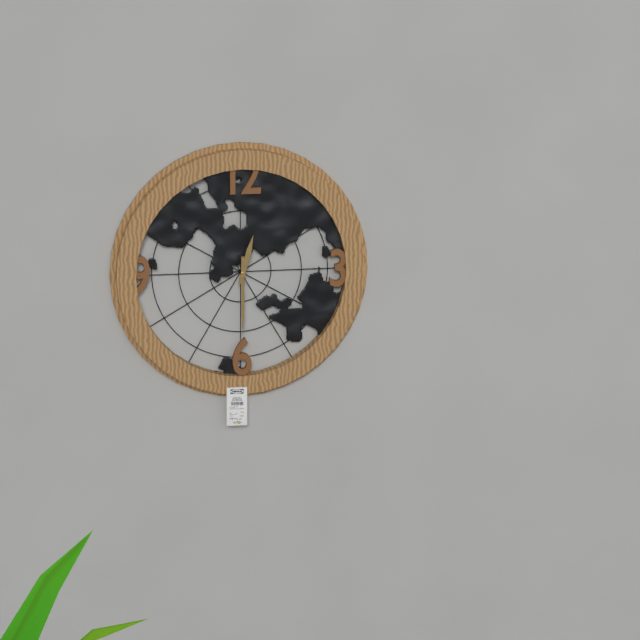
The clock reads 12h30
